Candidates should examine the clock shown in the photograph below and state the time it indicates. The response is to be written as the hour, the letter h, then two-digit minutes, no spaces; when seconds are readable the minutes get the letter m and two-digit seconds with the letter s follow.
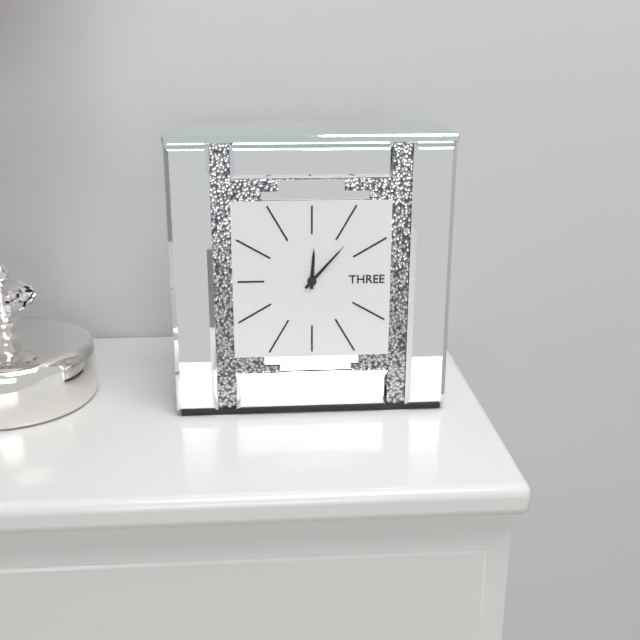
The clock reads 12h07
